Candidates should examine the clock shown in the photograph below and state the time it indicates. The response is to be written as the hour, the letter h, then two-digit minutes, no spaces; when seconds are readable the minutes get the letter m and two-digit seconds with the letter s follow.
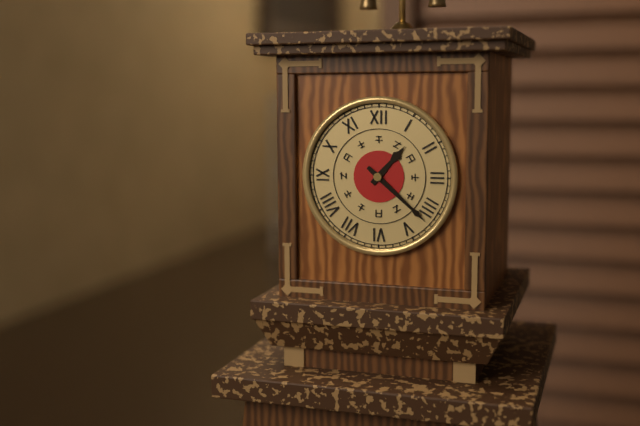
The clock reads 1h22
